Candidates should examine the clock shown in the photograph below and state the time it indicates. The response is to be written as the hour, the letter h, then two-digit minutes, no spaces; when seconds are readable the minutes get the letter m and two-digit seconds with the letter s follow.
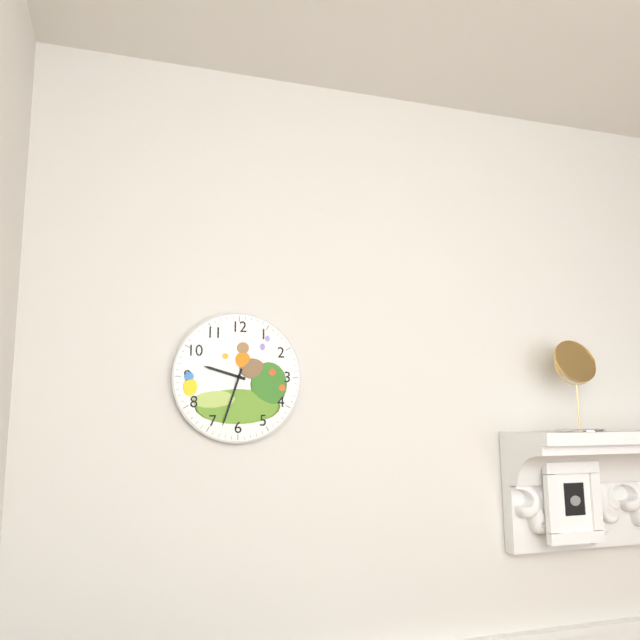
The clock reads 9h33
